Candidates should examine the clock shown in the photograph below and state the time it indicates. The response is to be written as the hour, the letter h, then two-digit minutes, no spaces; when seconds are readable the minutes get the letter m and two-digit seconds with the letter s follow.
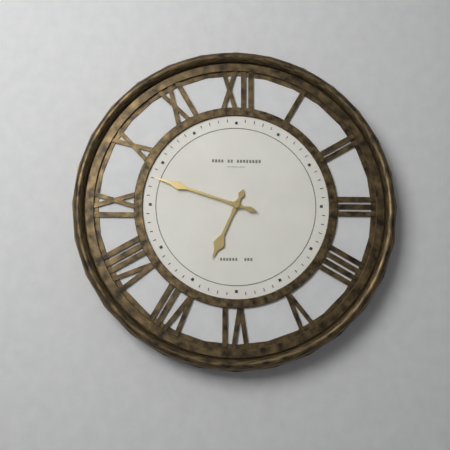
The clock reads 6h48
